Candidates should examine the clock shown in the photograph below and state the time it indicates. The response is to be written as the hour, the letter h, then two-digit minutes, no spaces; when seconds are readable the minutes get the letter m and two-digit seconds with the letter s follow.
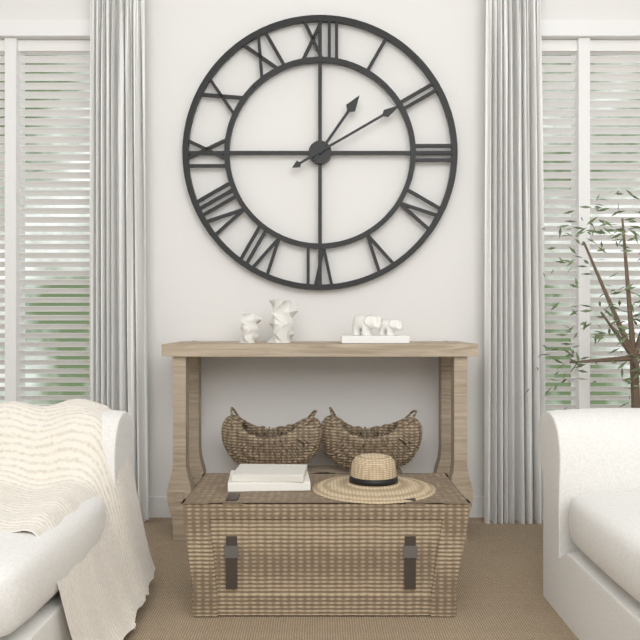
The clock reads 1h10
